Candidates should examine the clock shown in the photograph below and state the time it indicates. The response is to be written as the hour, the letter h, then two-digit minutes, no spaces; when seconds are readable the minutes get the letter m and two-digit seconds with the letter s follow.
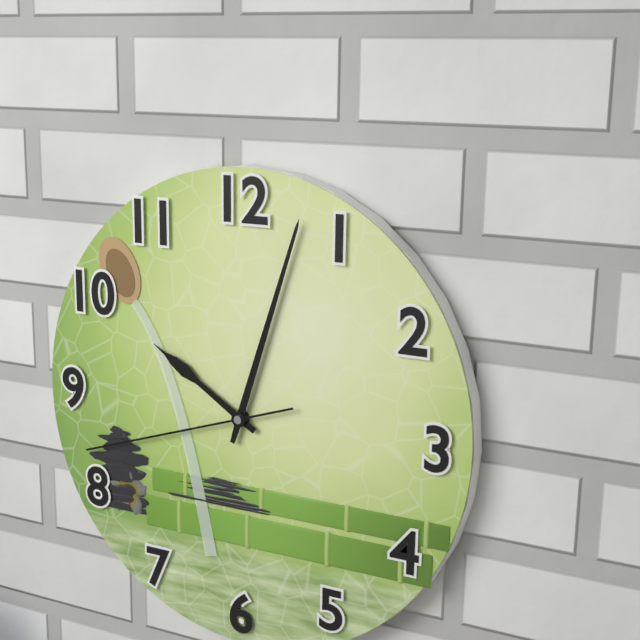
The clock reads 10h03m42s
